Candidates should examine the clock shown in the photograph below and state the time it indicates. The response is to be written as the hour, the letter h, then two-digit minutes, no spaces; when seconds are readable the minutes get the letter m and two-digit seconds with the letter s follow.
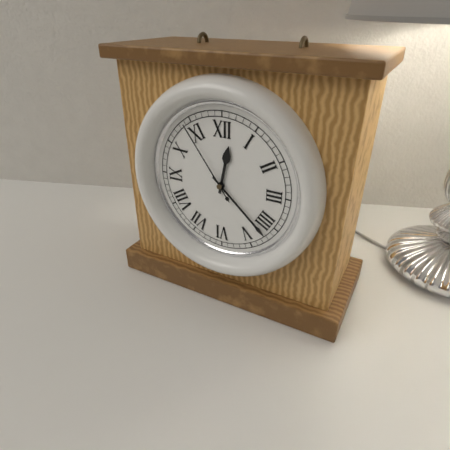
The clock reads 12h22m54s
